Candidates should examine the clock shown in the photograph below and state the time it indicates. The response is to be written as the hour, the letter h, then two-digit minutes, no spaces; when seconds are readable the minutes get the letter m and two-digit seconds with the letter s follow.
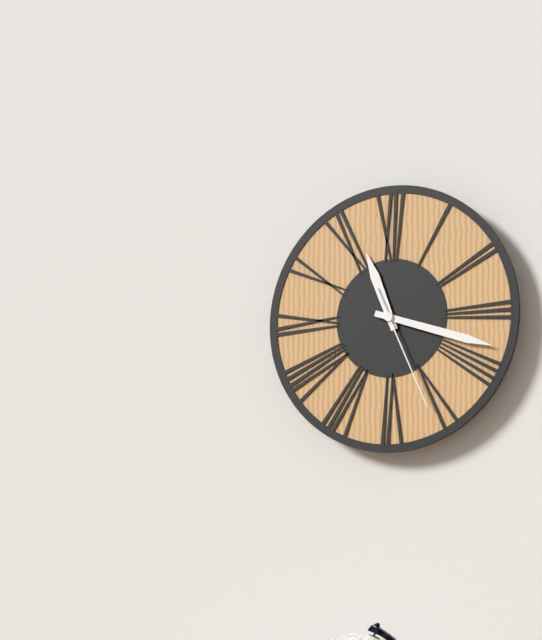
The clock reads 11h18m26s
